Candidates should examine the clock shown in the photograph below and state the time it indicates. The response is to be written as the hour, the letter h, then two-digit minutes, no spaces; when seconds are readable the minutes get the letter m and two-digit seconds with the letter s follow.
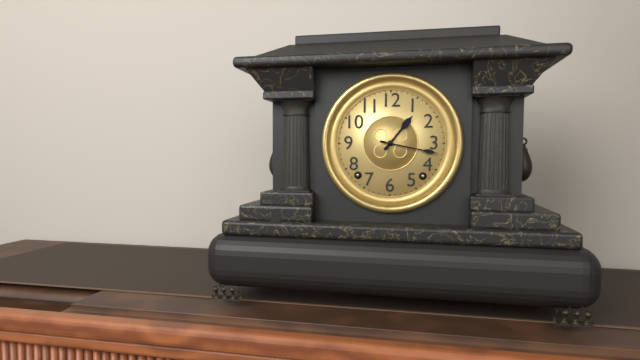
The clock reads 1h17
